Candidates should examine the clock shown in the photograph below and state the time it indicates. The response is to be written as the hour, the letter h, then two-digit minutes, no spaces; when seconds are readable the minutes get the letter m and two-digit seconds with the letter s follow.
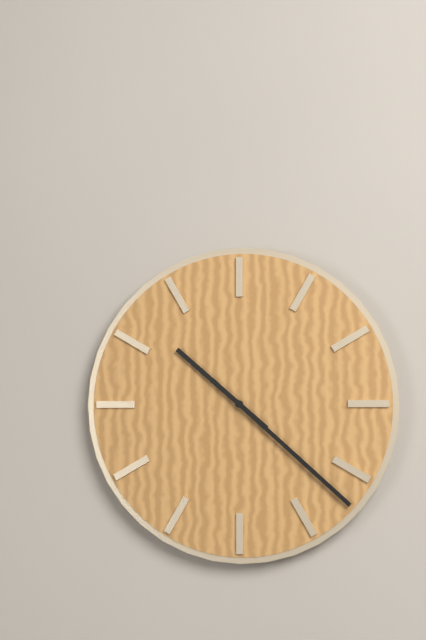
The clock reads 10h22
